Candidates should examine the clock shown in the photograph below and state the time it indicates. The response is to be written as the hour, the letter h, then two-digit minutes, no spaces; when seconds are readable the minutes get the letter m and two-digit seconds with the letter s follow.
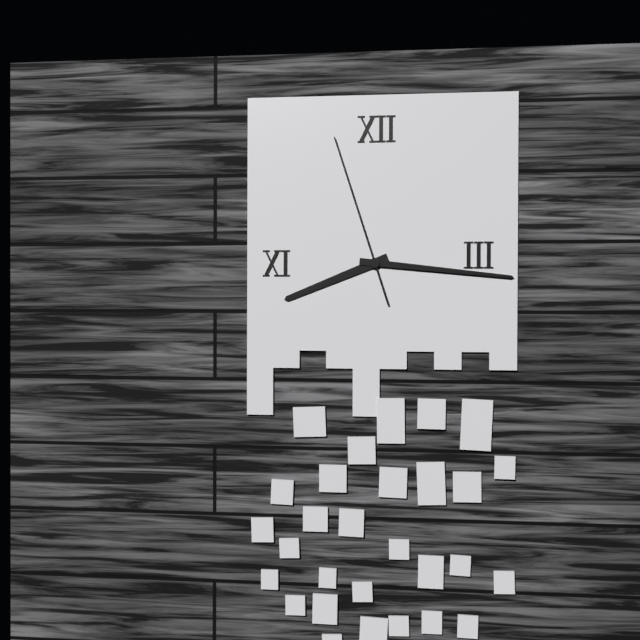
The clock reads 8h16m57s
